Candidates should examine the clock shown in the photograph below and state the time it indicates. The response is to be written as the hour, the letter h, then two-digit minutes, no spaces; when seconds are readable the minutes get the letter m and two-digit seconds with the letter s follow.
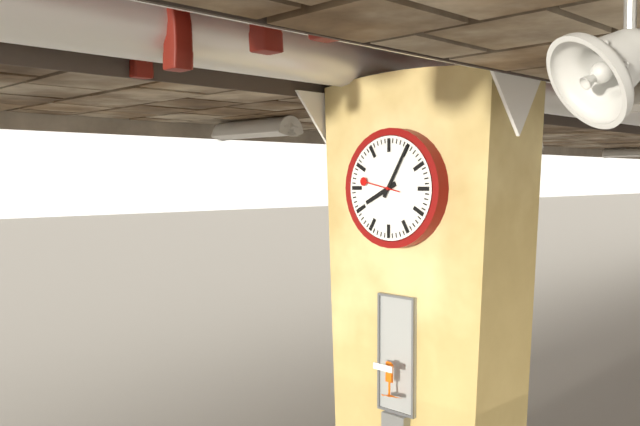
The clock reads 8h05
